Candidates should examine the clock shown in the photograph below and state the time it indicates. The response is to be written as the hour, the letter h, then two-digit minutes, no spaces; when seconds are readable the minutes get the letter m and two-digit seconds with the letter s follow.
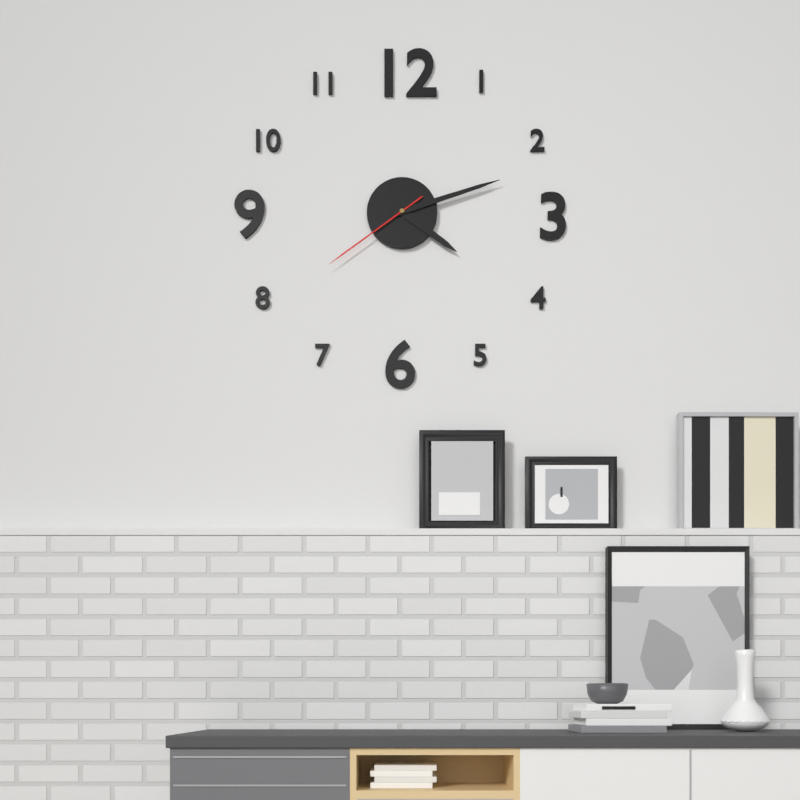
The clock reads 4h12m39s
